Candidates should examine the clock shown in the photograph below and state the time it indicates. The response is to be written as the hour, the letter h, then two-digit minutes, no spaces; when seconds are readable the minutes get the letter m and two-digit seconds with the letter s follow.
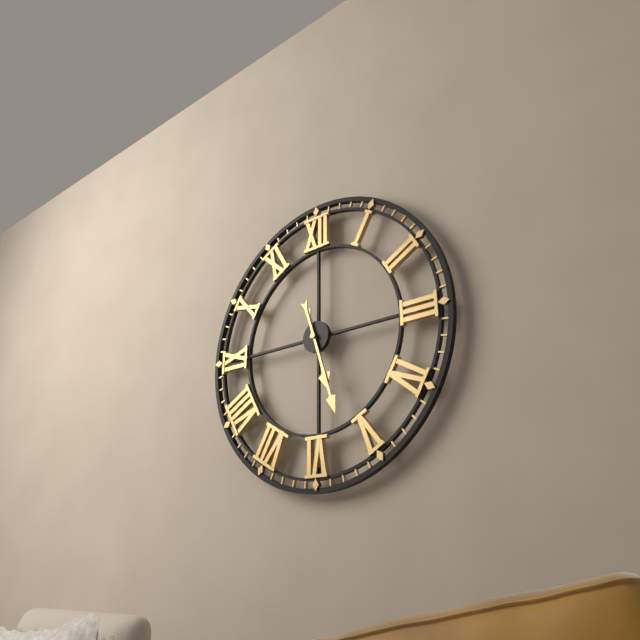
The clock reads 5h27
